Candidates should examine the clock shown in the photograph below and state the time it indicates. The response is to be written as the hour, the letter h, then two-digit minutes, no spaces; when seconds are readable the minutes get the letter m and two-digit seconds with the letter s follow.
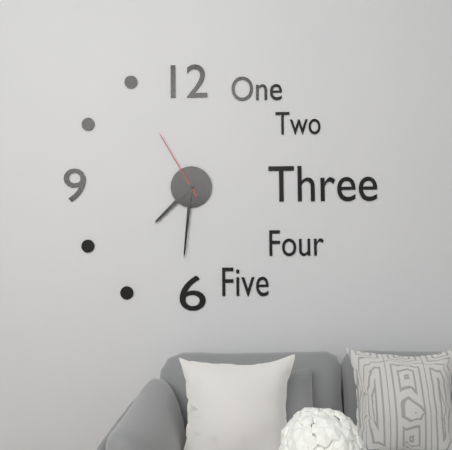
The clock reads 7h31m55s
